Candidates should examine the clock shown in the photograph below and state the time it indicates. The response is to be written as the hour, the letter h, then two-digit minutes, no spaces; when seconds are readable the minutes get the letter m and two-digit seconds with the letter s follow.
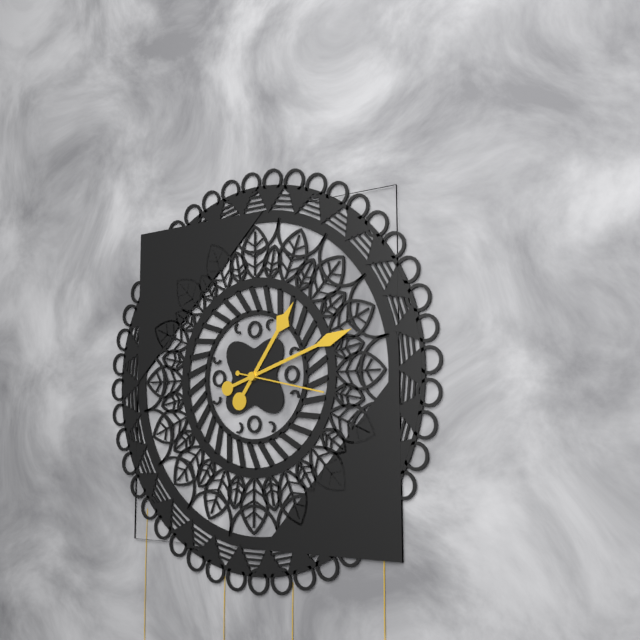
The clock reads 1h12m17s
